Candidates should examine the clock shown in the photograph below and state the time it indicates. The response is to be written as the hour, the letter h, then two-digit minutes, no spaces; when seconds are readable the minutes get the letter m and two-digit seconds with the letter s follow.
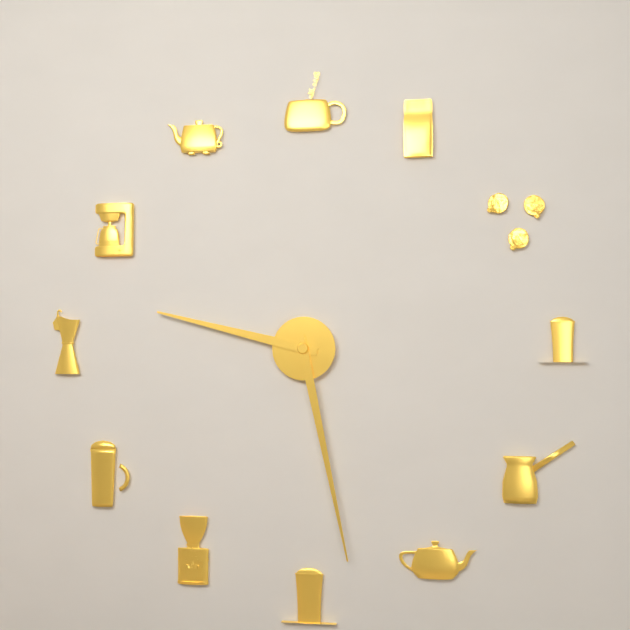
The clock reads 9h28
